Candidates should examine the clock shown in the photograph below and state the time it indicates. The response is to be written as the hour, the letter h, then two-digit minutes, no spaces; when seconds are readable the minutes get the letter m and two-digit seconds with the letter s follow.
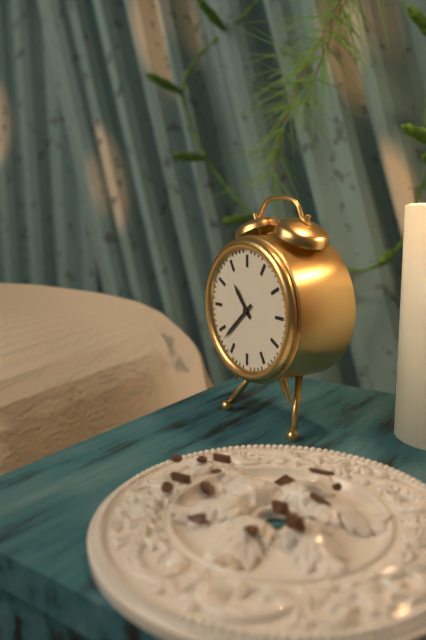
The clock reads 10h38
